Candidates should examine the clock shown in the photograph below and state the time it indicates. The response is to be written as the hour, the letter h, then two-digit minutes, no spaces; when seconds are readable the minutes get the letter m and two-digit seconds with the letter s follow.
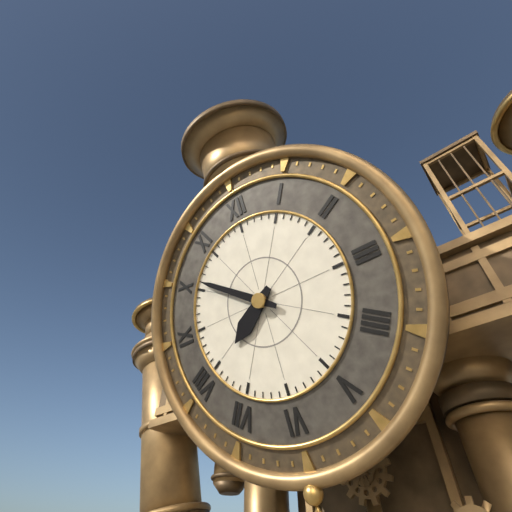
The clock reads 7h51
